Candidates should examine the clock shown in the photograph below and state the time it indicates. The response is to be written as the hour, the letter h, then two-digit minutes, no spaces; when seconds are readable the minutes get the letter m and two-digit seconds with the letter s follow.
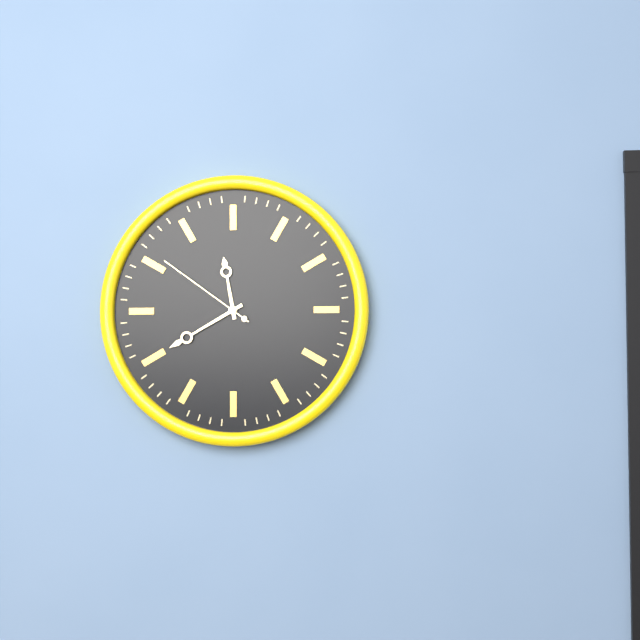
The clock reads 11h40m51s
